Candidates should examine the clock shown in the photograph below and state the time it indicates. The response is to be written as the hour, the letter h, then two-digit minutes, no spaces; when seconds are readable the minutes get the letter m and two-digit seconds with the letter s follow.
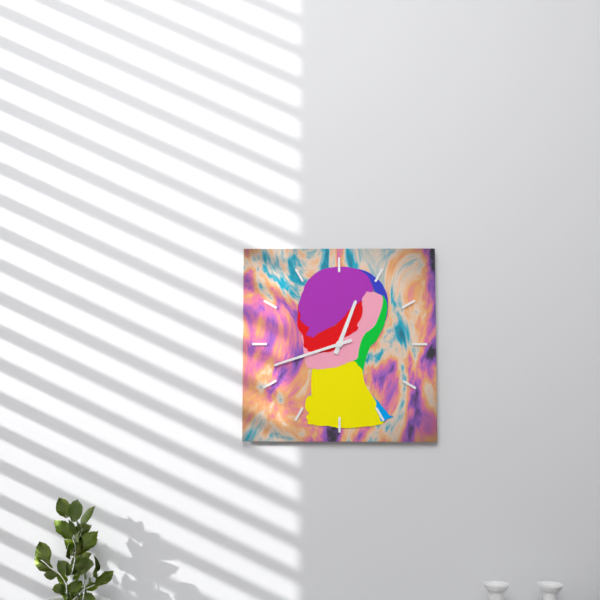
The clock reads 12h42
